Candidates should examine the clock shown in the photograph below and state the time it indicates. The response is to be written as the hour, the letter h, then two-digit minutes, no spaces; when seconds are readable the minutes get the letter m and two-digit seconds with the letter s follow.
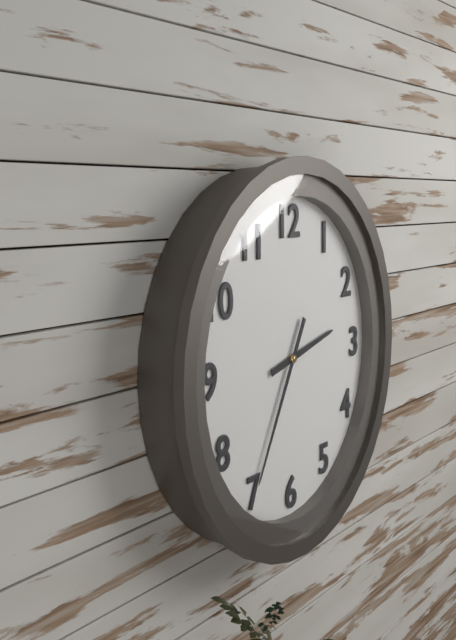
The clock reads 2h35
